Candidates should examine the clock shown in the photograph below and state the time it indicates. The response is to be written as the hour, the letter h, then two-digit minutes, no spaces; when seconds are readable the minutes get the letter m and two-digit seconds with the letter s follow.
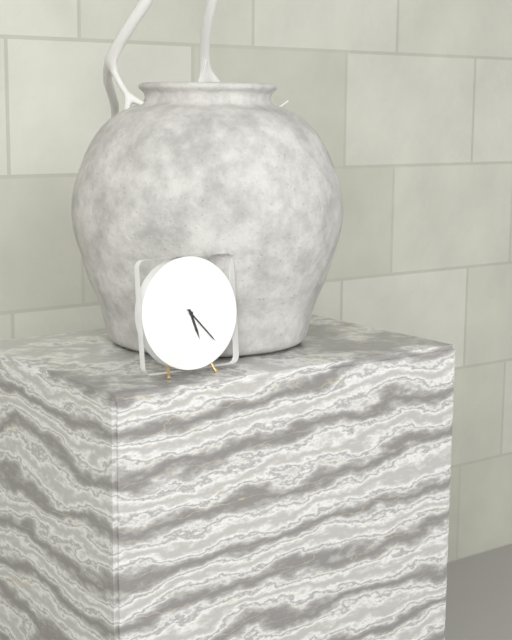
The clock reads 5h23
